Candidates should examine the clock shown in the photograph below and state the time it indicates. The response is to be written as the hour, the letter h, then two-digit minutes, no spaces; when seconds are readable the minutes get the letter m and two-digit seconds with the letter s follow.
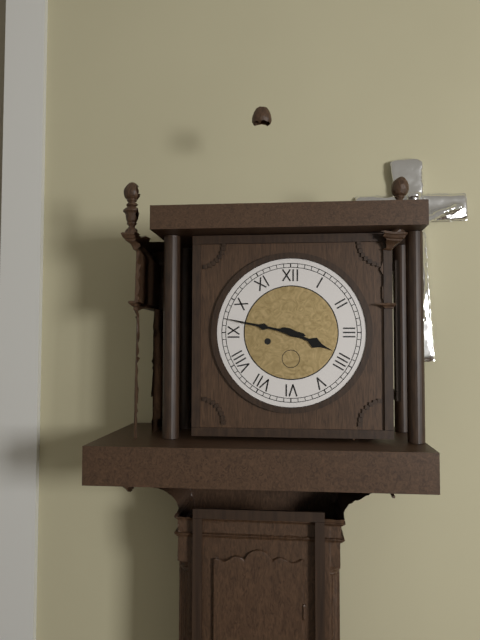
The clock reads 3h47
